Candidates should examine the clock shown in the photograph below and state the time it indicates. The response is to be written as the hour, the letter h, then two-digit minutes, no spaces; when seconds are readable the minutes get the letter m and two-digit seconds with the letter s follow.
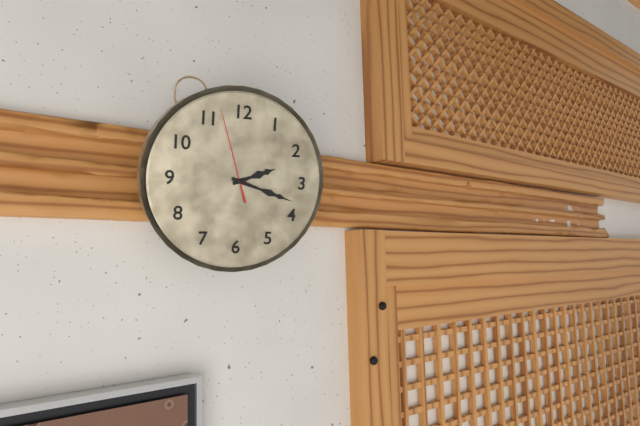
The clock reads 2h18m57s
